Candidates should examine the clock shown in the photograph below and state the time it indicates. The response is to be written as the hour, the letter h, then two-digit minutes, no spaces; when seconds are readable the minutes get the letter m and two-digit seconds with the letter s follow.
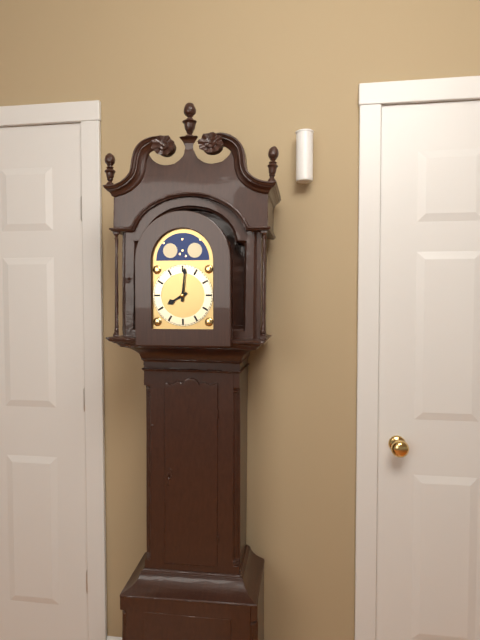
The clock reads 8h01
